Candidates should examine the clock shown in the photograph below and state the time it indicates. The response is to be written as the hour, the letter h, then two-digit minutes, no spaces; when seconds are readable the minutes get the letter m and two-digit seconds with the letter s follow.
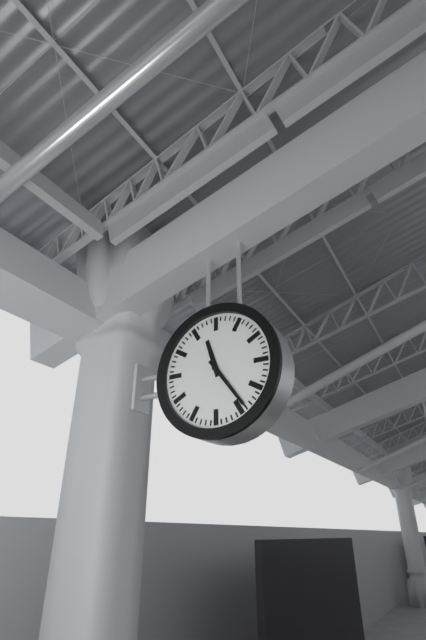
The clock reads 11h24
